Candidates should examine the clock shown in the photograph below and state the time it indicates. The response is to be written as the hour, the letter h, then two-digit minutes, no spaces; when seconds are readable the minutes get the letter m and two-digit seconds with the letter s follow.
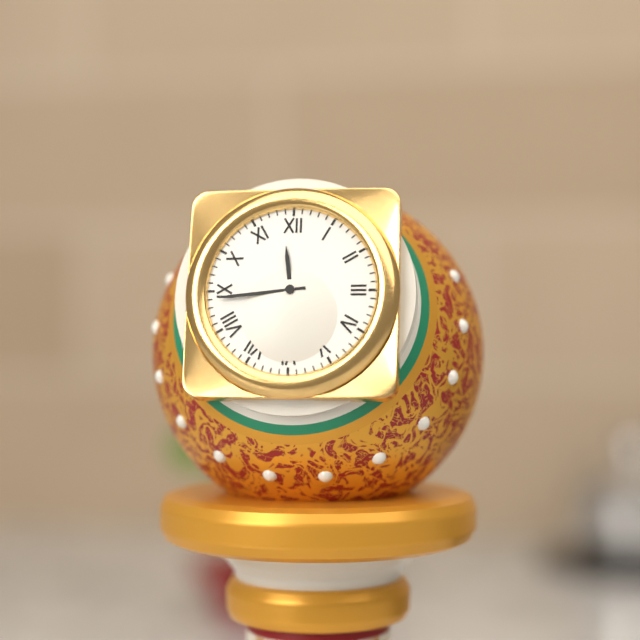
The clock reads 11h44
